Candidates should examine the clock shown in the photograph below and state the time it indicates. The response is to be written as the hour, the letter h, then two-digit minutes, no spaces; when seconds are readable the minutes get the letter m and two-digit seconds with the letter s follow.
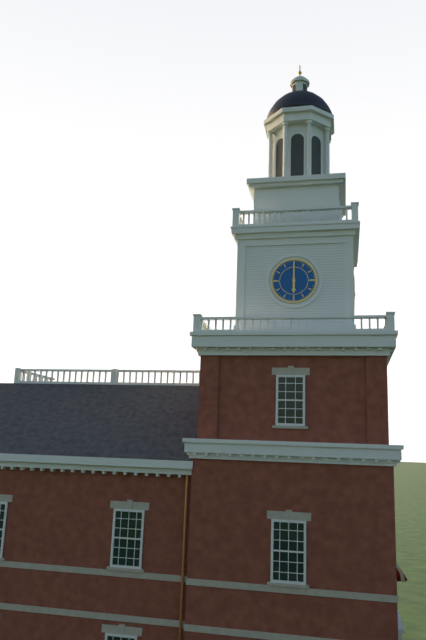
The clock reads 6h00
